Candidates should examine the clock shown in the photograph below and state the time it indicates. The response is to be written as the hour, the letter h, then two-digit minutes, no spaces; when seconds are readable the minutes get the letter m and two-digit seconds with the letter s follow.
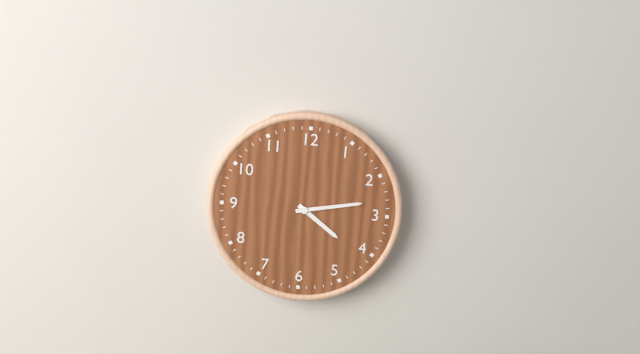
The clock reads 4h13
